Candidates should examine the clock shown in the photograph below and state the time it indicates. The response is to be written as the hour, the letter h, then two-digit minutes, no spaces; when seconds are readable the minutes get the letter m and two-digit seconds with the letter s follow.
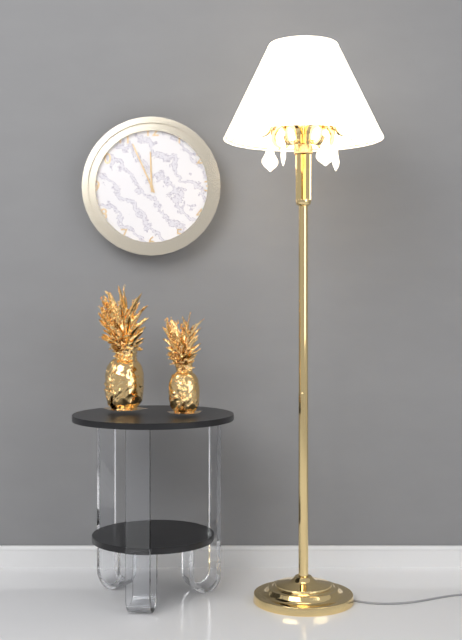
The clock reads 11h56
